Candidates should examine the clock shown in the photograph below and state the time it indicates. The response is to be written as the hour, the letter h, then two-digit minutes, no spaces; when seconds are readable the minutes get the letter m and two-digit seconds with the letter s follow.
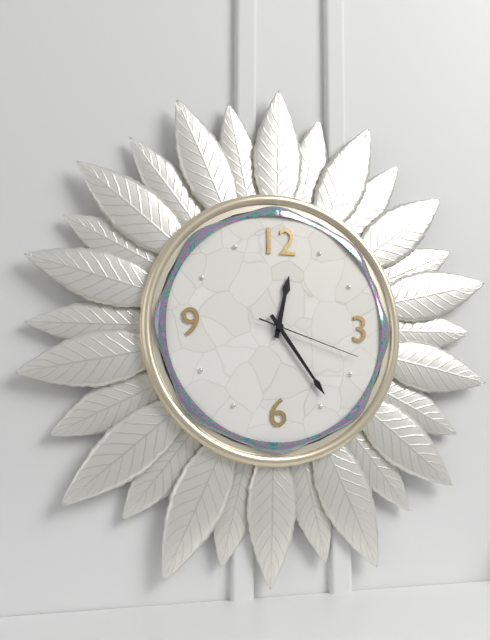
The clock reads 12h24m18s
